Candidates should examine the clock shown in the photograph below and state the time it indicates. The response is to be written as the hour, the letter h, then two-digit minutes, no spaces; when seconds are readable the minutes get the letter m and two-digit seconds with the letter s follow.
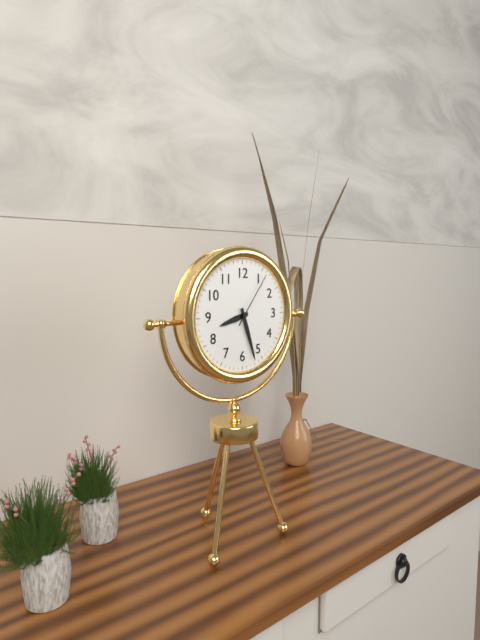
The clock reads 8h27m06s
